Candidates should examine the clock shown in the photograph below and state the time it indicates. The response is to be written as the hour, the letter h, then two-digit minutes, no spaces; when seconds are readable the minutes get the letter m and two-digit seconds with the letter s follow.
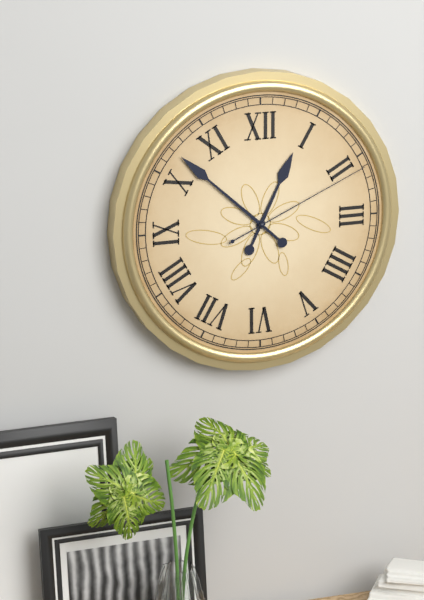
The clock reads 12h52m11s
